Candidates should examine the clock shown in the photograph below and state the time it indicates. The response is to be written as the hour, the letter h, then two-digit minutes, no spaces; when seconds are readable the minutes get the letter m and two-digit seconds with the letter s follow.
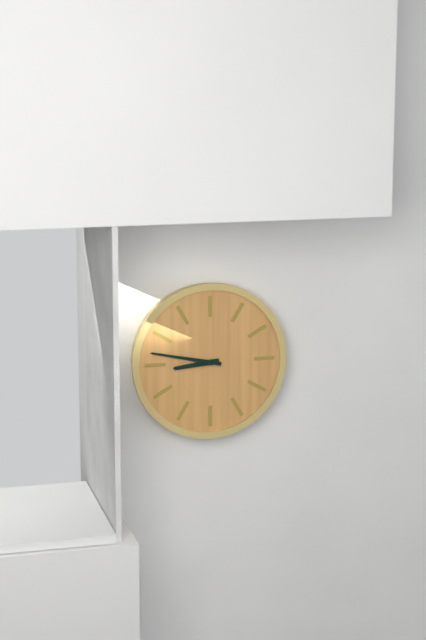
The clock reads 8h47
